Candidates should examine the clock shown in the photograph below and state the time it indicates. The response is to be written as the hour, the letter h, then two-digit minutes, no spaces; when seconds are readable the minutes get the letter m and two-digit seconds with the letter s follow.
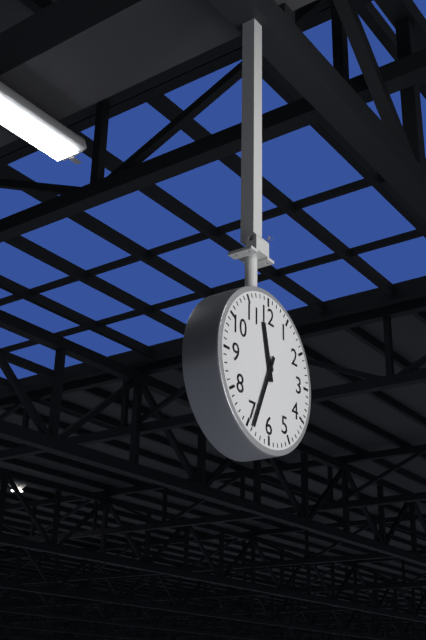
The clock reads 11h34
